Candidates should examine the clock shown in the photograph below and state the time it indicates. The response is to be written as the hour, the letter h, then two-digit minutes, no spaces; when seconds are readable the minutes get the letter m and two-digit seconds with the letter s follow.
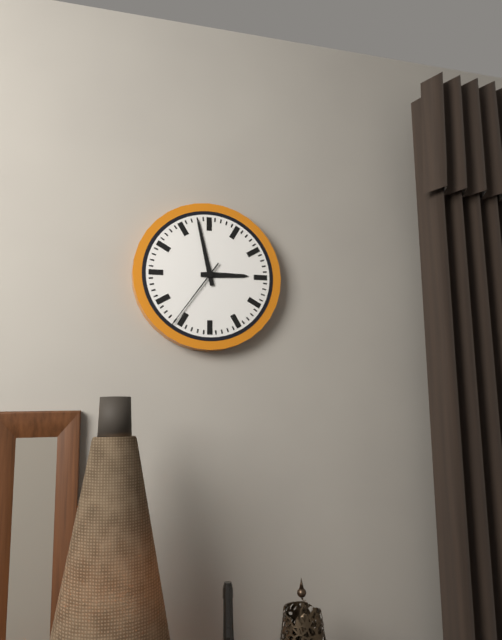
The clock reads 2h58m36s
